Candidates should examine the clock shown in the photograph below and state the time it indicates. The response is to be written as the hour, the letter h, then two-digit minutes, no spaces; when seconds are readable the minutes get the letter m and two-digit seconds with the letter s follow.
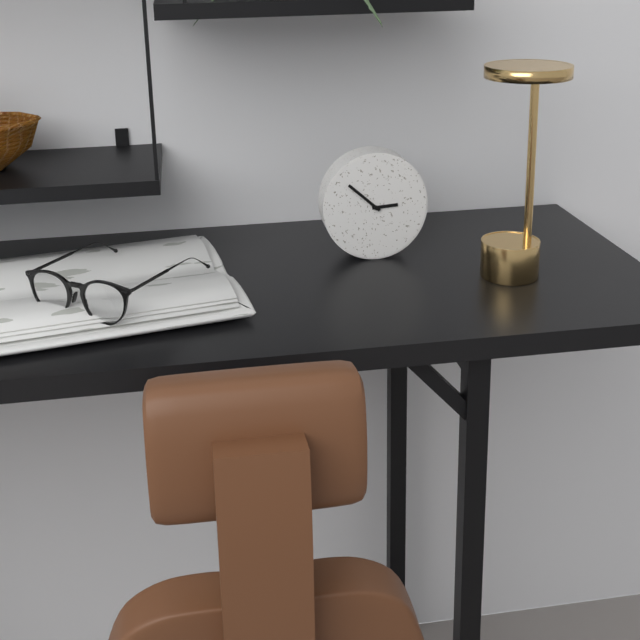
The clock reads 2h52
